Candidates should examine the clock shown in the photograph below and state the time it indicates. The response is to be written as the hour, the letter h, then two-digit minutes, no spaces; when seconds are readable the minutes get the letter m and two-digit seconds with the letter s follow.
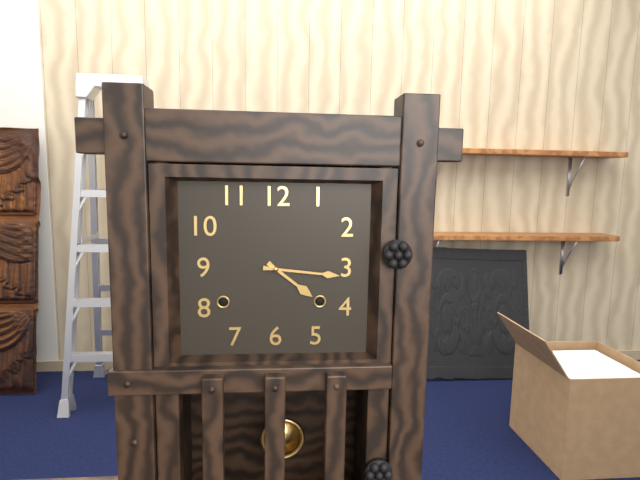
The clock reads 4h16
